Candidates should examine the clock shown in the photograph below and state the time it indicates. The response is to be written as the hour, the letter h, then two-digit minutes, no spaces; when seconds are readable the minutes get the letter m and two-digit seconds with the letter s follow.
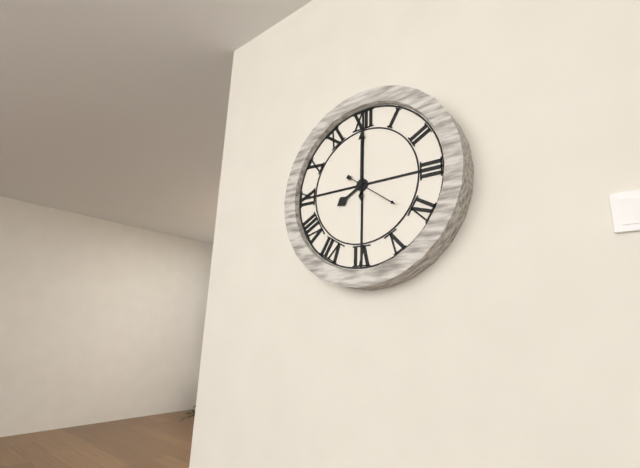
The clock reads 8h00
